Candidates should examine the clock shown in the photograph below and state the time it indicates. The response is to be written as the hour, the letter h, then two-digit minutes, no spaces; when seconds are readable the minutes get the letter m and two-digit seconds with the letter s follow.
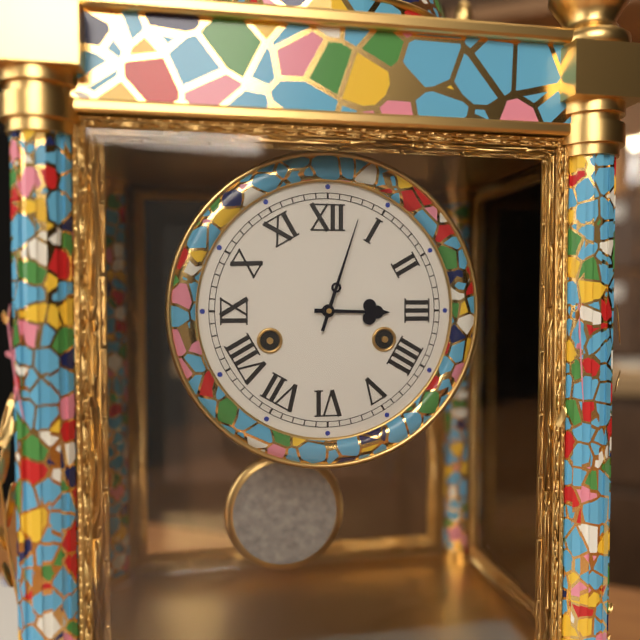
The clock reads 3h03
